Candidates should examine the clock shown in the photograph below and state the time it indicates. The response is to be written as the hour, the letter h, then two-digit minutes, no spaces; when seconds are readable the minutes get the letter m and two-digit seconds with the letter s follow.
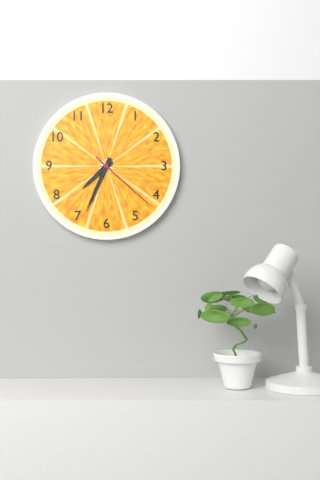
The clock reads 7h34m22s
